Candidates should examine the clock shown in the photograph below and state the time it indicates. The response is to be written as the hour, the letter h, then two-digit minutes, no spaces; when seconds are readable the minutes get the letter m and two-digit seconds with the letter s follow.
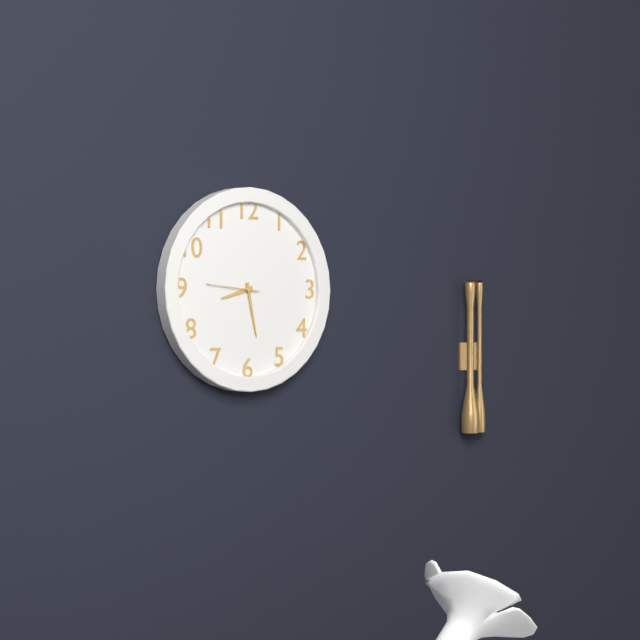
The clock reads 8h28m46s
